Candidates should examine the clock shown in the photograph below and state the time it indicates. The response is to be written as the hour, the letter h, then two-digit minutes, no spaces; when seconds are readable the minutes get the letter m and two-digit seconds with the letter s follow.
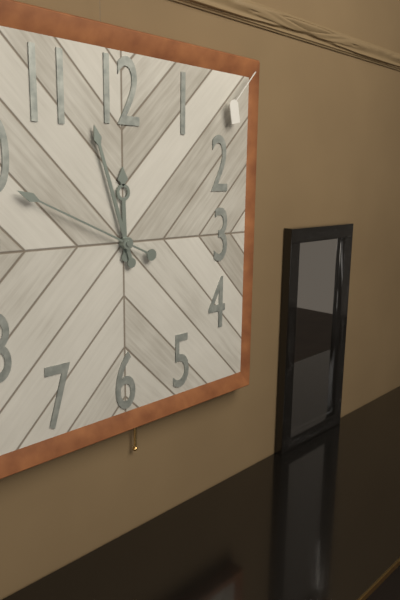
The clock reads 11h57m49s
